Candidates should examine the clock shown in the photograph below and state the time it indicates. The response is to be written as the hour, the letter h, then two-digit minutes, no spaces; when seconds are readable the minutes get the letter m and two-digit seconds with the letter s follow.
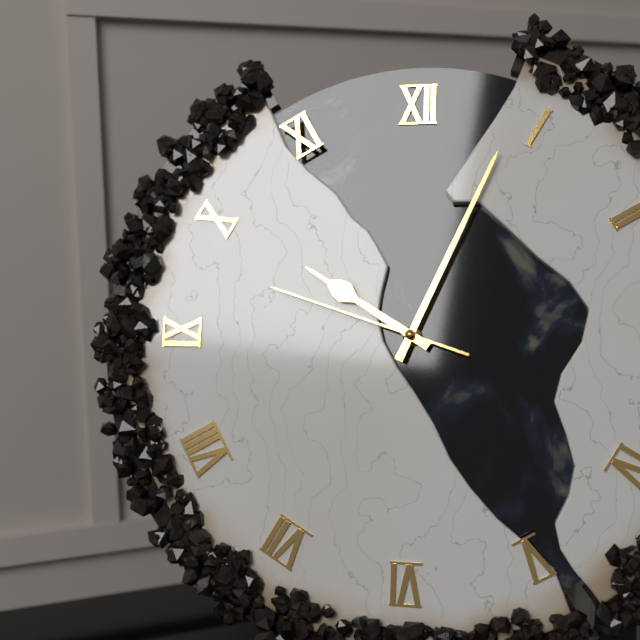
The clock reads 10h04m48s
